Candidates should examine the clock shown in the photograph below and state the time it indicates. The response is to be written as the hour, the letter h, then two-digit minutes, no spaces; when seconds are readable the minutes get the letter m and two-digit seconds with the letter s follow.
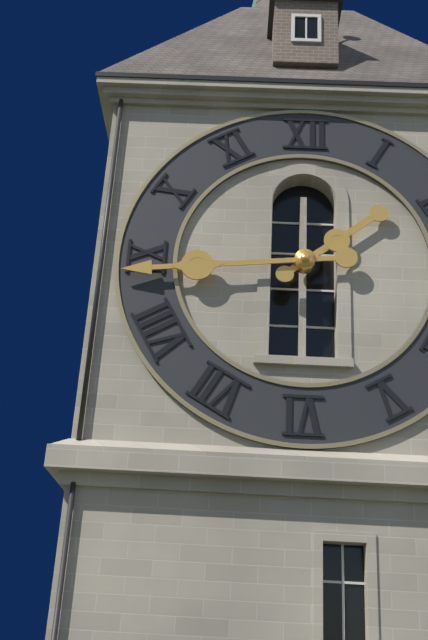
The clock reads 1h44
